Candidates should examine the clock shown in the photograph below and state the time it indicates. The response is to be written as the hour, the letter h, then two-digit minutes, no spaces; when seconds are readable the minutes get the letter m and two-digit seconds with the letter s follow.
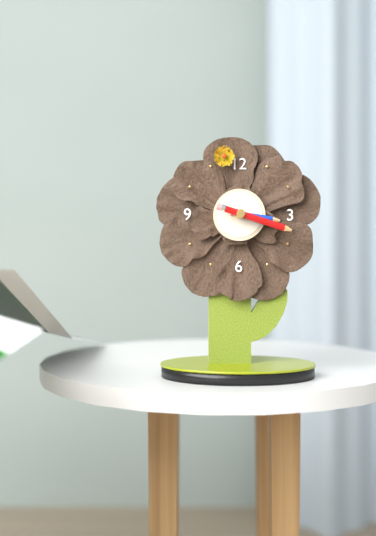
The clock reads 3h18
